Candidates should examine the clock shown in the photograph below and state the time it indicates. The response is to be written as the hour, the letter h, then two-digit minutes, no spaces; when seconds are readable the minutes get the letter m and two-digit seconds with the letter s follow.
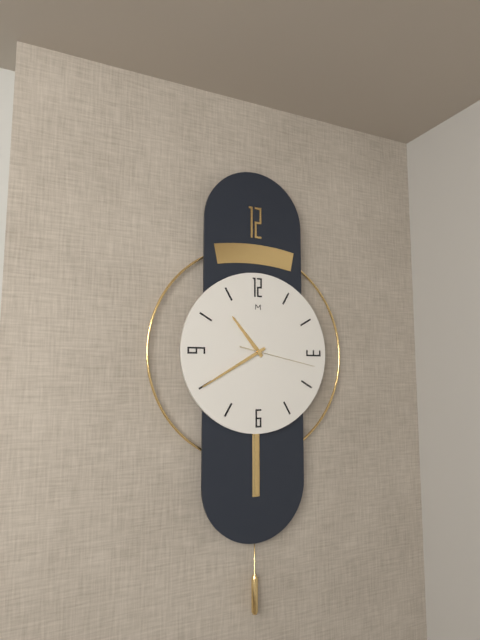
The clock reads 10h40m17s
